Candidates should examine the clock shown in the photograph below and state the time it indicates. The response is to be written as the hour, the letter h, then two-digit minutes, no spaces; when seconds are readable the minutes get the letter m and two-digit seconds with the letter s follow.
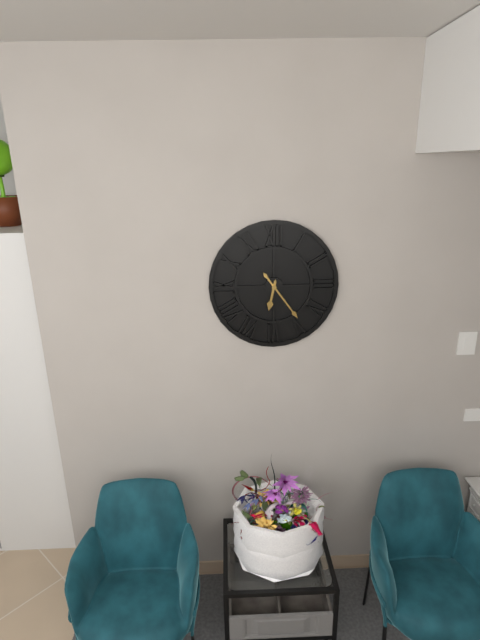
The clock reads 6h24
